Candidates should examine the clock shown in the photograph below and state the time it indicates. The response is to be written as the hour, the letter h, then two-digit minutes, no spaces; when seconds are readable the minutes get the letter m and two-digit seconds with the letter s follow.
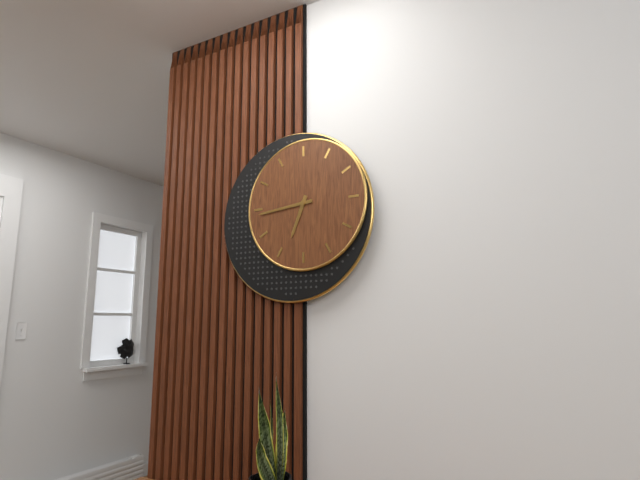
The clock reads 6h44
